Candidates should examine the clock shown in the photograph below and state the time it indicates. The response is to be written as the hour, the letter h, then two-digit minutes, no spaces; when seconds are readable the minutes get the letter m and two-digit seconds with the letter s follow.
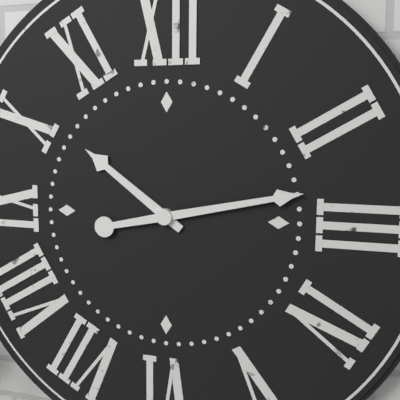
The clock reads 10h13
